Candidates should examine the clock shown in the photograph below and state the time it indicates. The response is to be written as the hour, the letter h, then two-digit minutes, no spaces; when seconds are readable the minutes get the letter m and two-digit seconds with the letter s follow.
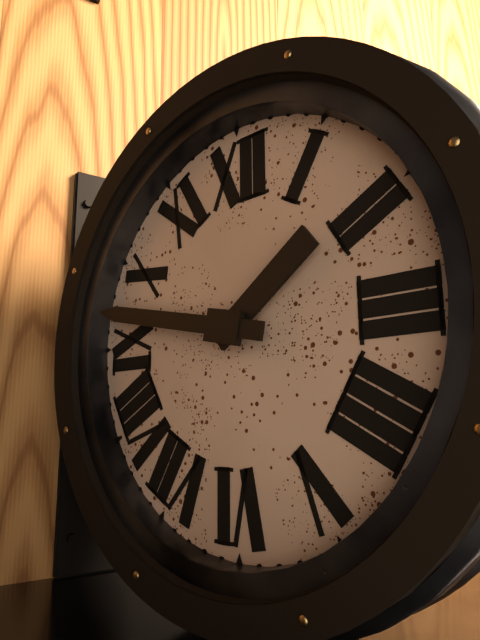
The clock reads 1h47
